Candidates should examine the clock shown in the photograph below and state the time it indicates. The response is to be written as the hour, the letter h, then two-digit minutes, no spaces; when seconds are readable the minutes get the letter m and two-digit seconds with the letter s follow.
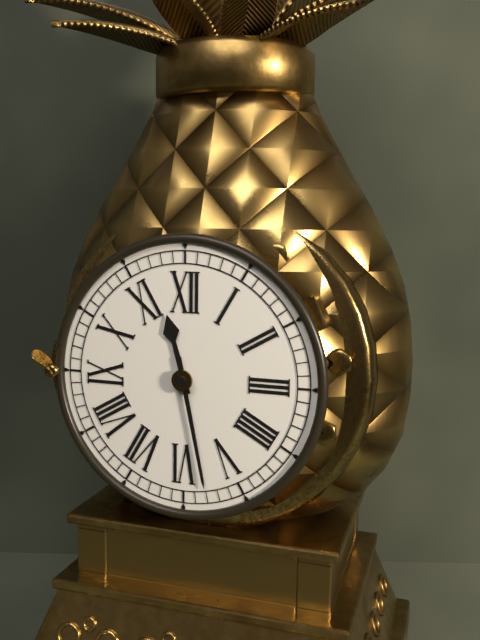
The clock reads 11h28
